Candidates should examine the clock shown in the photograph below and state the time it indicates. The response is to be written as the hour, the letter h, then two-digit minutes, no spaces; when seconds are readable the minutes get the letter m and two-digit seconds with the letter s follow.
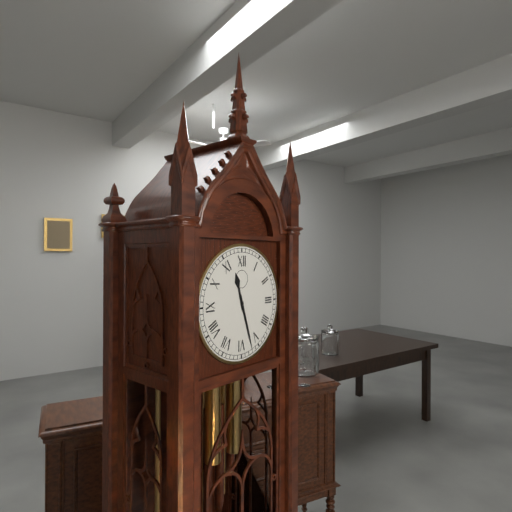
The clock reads 11h27
